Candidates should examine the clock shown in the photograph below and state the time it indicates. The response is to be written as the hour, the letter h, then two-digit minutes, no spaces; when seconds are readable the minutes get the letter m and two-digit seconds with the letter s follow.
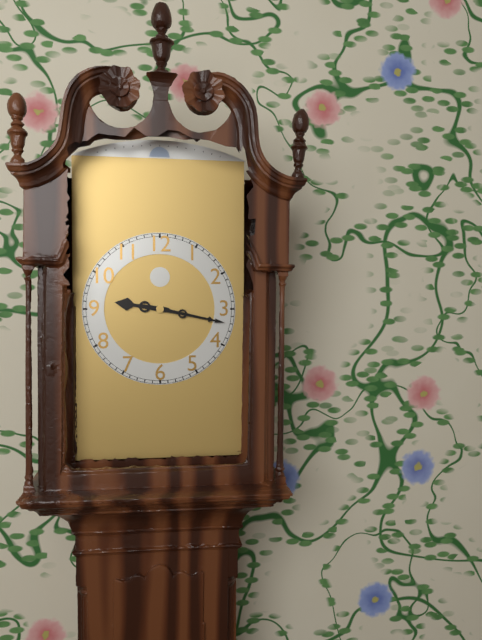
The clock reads 9h17
